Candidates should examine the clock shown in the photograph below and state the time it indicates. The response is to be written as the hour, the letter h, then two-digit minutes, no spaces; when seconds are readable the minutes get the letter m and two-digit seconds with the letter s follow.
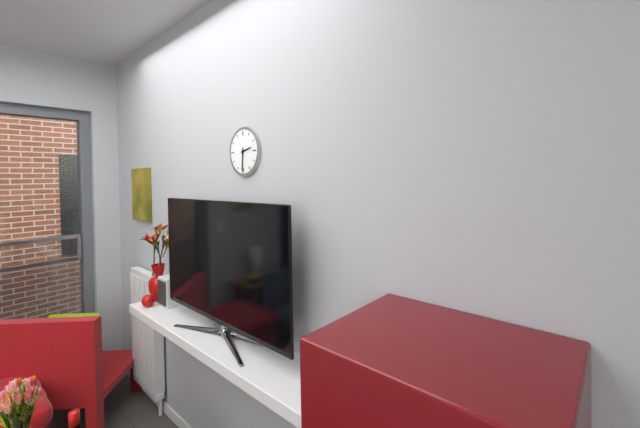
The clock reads 2h31
